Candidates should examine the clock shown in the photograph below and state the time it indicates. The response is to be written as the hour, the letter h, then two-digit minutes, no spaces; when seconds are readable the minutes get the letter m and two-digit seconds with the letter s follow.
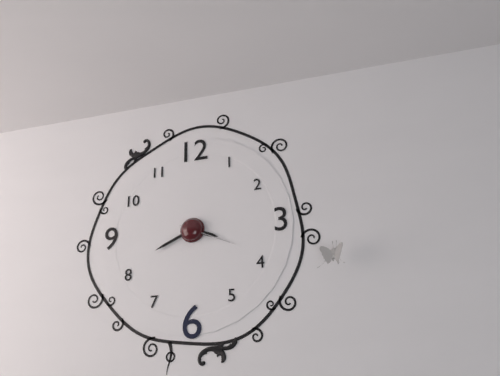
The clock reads 3h41m19s
